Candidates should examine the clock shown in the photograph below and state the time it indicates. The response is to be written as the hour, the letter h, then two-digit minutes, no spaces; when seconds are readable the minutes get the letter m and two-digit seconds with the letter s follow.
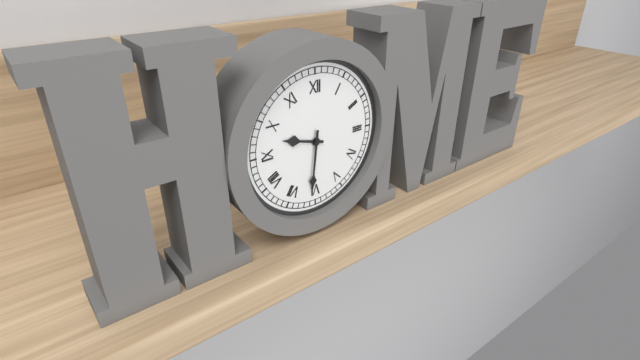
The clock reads 9h31
